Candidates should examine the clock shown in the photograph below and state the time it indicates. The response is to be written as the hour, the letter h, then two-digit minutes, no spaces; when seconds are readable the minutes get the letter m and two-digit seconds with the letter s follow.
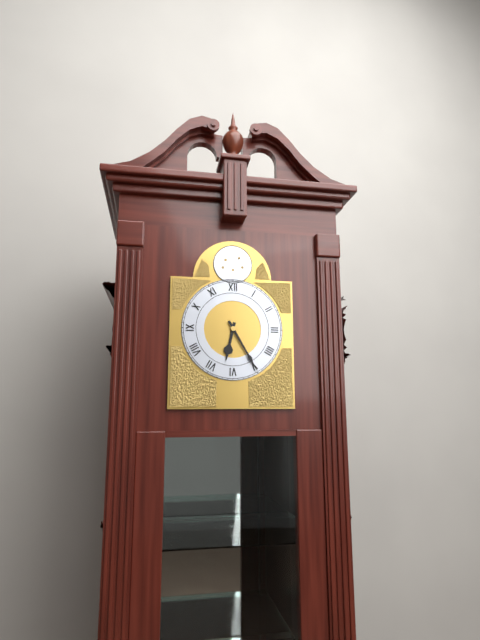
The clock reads 6h25
